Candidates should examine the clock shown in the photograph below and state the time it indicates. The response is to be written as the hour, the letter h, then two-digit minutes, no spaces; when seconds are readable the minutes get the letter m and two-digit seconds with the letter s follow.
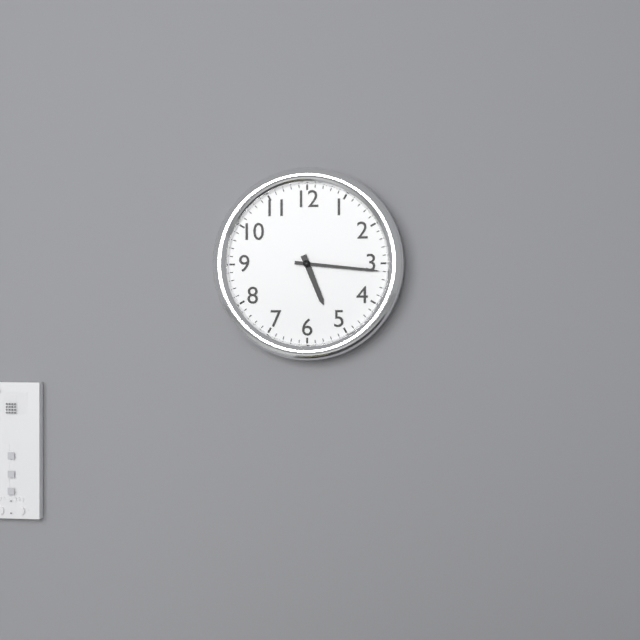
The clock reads 5h16
